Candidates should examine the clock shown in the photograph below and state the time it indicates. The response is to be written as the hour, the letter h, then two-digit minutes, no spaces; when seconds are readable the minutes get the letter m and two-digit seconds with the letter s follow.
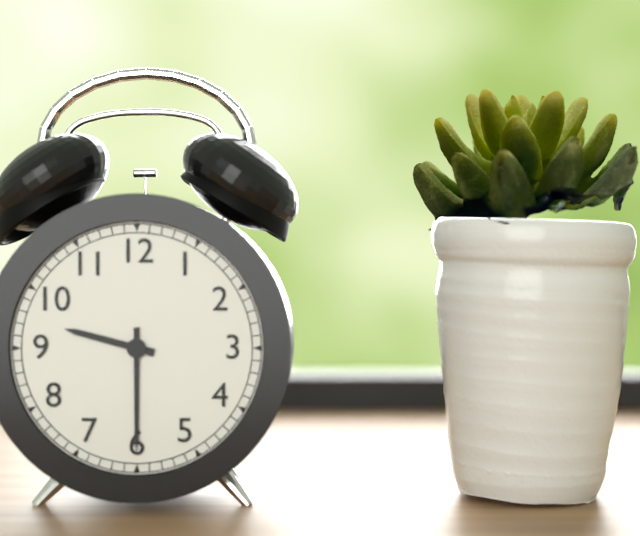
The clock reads 9h30
